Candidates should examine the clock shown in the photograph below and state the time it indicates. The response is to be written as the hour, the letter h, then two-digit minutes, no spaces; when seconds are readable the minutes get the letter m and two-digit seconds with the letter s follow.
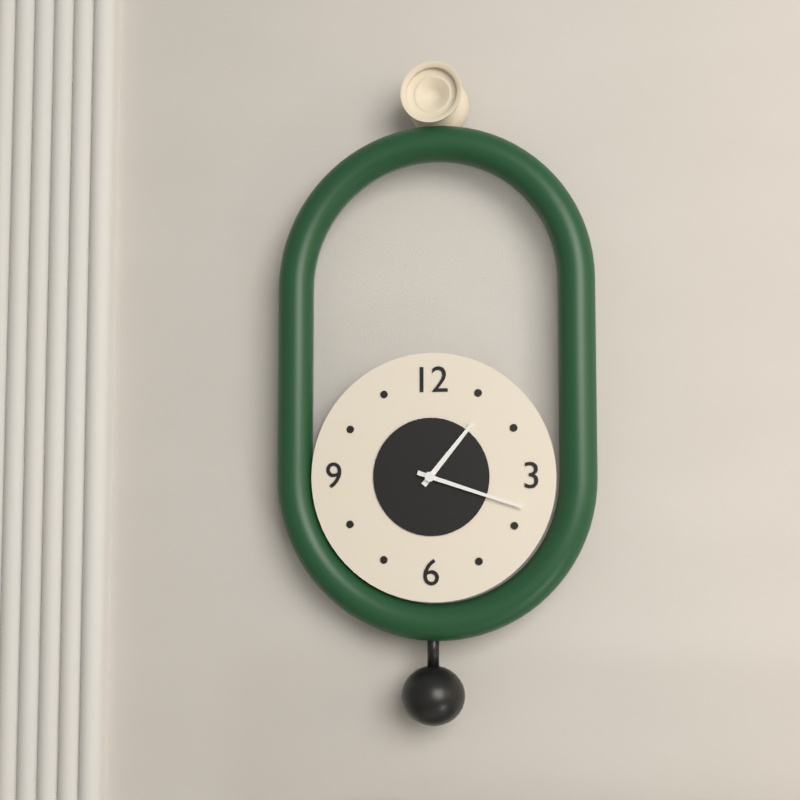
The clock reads 1h18
